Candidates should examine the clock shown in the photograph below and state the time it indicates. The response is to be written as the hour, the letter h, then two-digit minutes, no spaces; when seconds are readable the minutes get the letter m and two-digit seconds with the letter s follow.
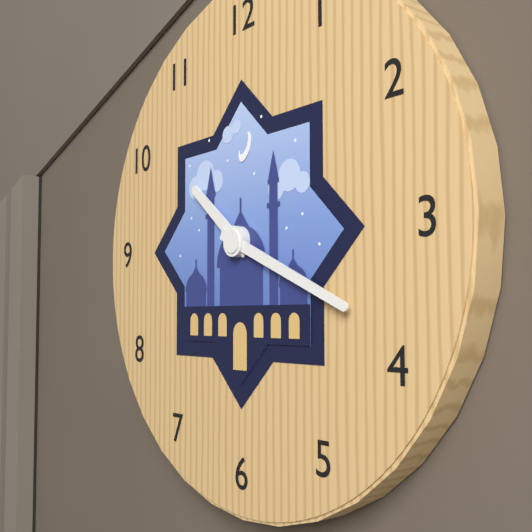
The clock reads 10h19
